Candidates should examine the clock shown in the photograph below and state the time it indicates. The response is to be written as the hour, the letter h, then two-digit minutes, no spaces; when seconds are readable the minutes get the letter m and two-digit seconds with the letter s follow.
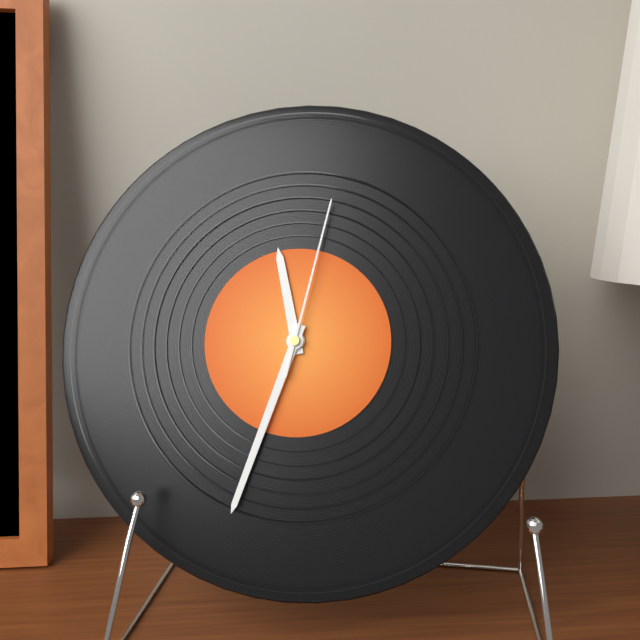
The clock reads 11h33m02s
